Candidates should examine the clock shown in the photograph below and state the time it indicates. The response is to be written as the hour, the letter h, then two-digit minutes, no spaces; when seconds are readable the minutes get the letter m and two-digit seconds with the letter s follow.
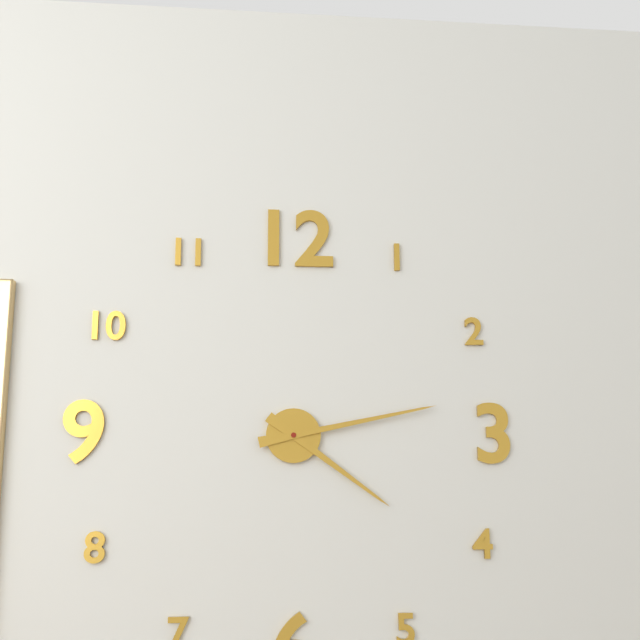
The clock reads 4h13
